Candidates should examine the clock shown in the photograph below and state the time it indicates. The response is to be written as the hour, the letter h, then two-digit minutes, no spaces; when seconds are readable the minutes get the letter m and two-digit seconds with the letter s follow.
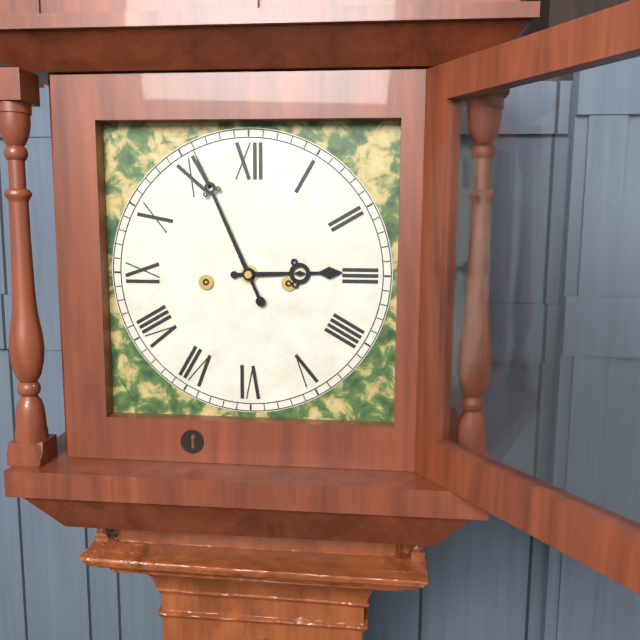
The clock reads 2h56
